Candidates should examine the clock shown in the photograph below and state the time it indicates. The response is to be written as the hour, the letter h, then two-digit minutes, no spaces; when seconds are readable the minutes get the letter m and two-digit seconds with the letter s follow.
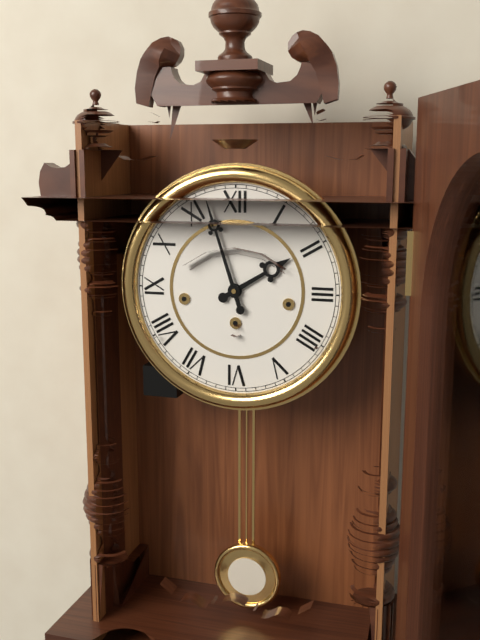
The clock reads 1h57
